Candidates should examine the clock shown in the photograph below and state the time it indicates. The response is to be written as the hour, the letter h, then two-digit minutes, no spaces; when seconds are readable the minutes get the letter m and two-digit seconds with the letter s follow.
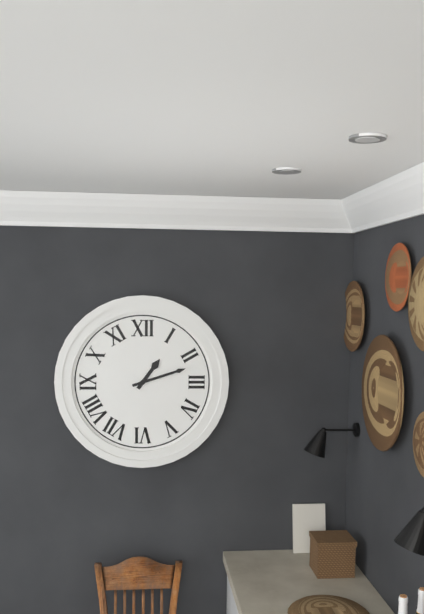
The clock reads 1h12
